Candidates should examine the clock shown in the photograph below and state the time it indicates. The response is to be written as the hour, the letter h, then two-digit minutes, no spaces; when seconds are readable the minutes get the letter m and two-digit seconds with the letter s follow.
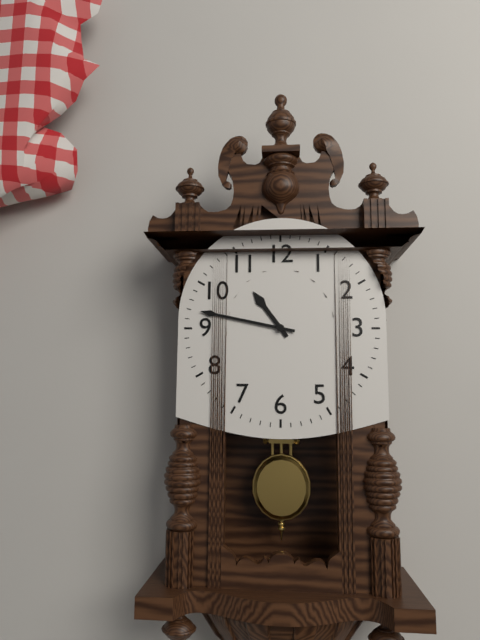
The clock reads 10h47
